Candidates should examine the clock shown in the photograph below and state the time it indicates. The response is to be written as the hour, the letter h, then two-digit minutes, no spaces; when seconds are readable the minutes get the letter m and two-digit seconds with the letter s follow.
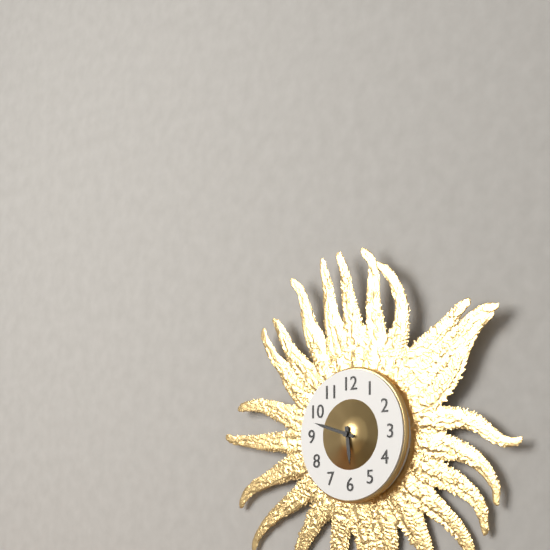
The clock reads 5h48
